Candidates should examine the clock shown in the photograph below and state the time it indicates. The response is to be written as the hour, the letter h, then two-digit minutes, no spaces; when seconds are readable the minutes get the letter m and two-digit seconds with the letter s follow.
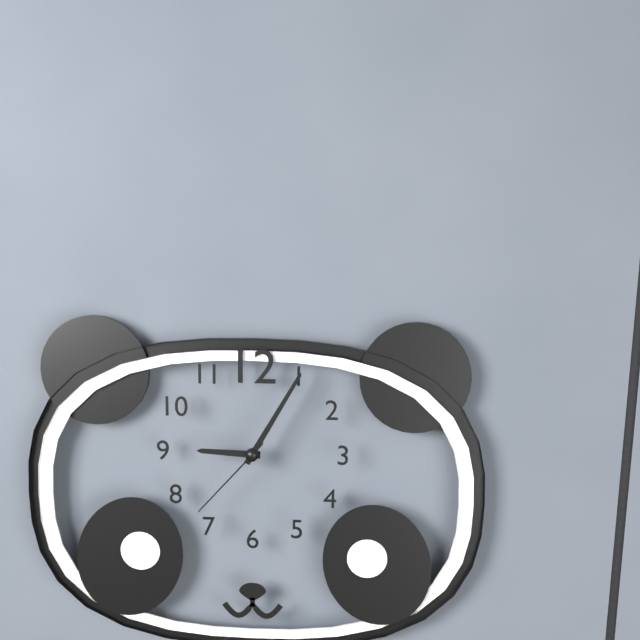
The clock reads 9h05m37s
